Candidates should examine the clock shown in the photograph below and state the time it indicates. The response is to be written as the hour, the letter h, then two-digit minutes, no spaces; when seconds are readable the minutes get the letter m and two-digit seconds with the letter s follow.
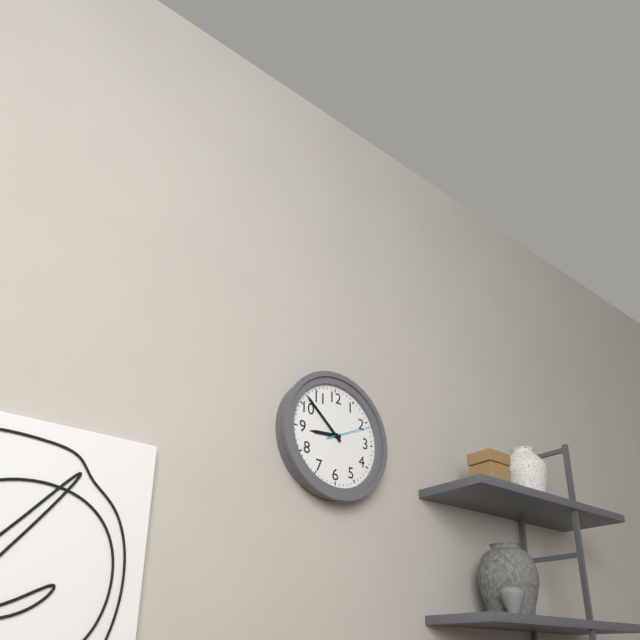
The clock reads 8h52
